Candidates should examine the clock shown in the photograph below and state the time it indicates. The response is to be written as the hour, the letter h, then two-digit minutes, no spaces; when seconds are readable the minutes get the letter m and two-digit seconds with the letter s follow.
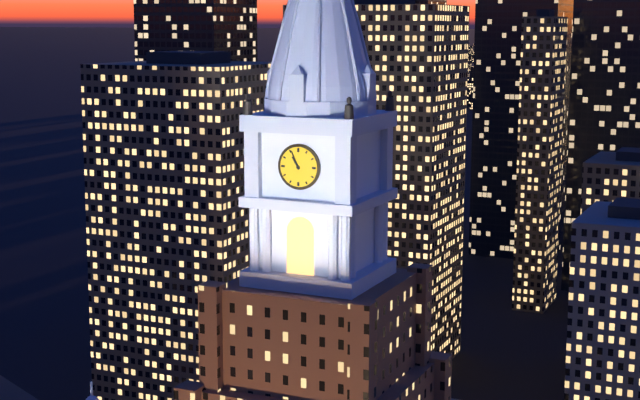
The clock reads 10h56
